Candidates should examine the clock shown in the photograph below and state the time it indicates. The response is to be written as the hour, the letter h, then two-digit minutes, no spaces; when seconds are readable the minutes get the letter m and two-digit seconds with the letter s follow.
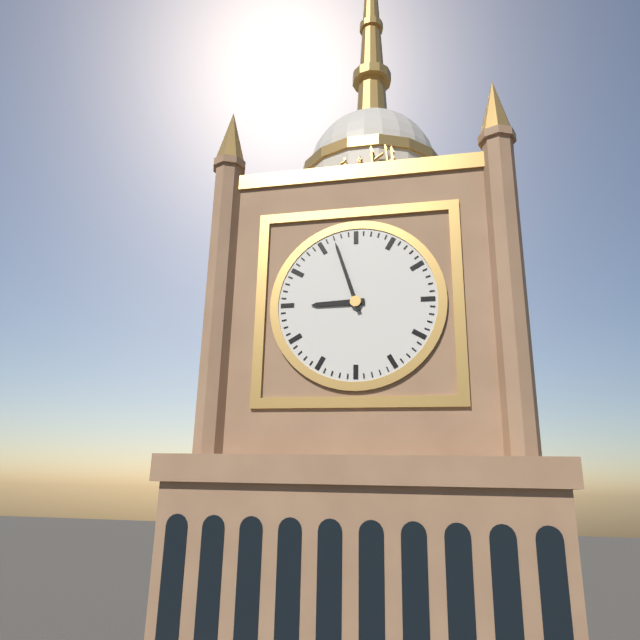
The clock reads 8h57
